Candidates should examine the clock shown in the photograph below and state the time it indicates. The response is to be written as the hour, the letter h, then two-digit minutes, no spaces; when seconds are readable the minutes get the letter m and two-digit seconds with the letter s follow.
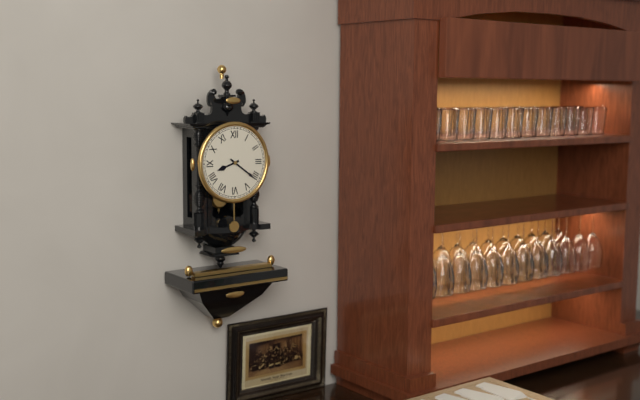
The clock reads 8h21
